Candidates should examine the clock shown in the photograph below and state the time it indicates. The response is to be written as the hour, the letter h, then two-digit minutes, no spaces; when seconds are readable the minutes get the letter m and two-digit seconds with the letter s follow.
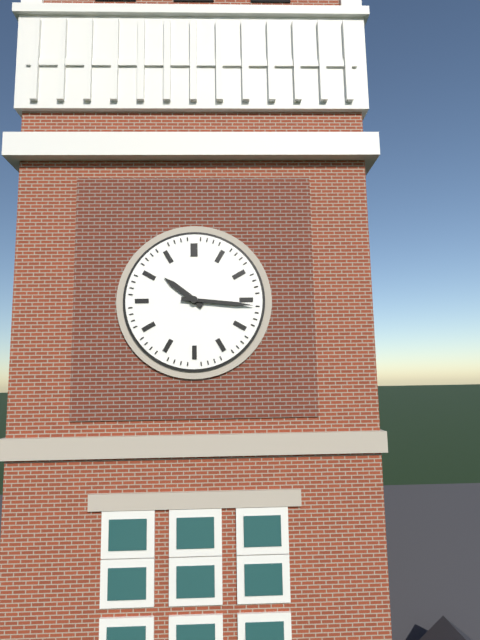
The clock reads 10h16
